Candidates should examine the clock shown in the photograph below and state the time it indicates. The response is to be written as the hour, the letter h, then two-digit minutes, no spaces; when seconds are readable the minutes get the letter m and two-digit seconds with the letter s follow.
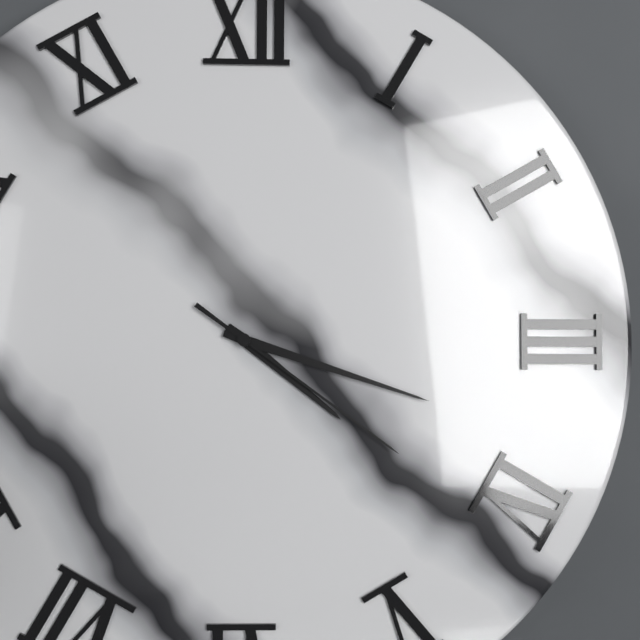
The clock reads 4h18m21s
